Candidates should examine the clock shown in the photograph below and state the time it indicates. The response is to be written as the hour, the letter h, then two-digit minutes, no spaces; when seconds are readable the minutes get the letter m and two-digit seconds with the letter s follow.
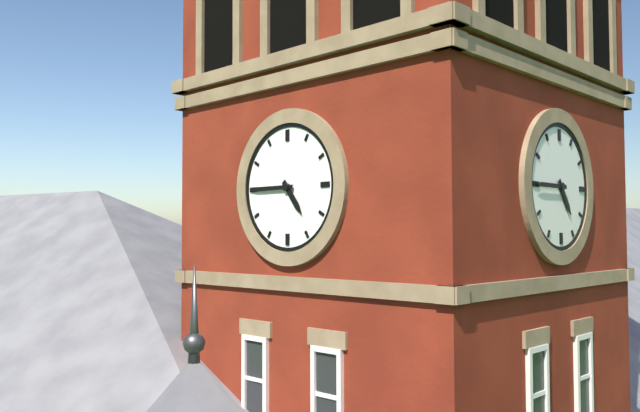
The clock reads 4h45
